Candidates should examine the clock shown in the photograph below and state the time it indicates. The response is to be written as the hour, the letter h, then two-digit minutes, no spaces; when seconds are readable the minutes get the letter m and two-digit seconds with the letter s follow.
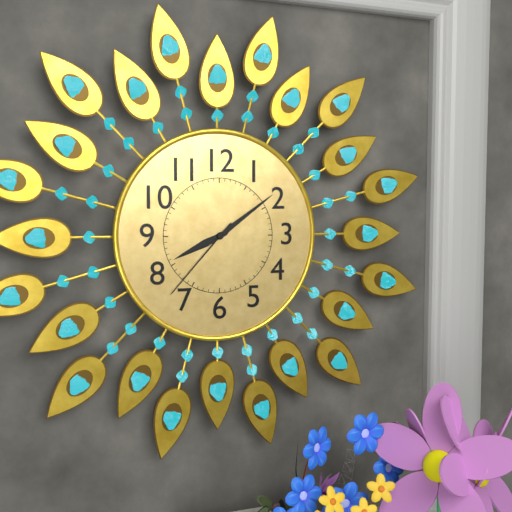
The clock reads 8h09m37s
